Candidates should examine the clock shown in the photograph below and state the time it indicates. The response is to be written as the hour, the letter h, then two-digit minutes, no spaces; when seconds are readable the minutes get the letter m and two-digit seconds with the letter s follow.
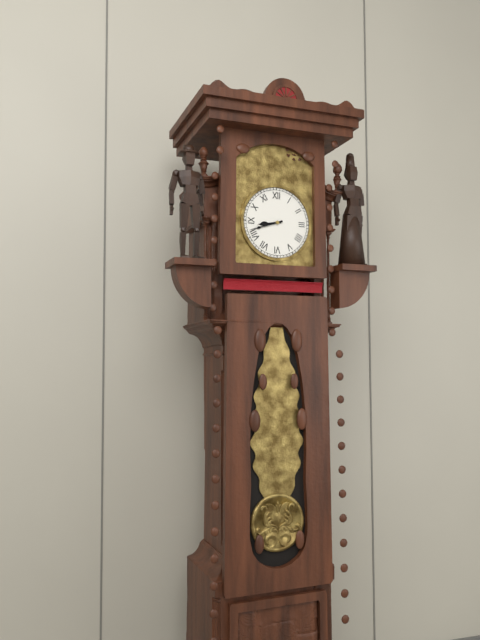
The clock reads 8h42
